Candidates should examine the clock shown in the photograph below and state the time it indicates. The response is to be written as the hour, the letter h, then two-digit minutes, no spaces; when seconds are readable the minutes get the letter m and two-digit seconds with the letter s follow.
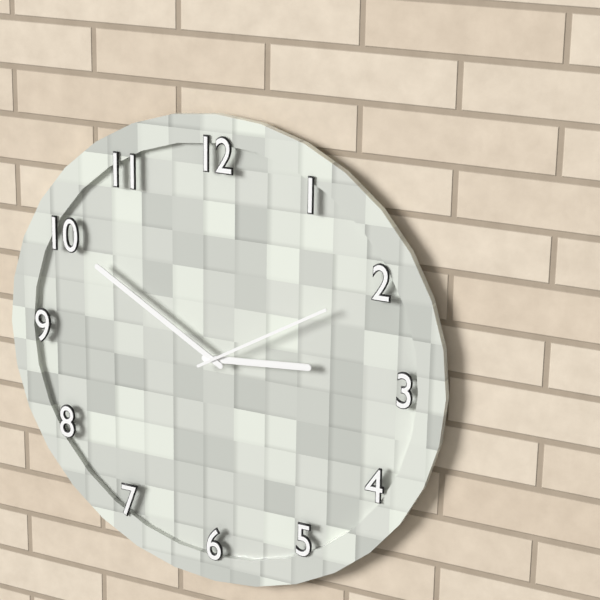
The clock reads 2h50m10s
